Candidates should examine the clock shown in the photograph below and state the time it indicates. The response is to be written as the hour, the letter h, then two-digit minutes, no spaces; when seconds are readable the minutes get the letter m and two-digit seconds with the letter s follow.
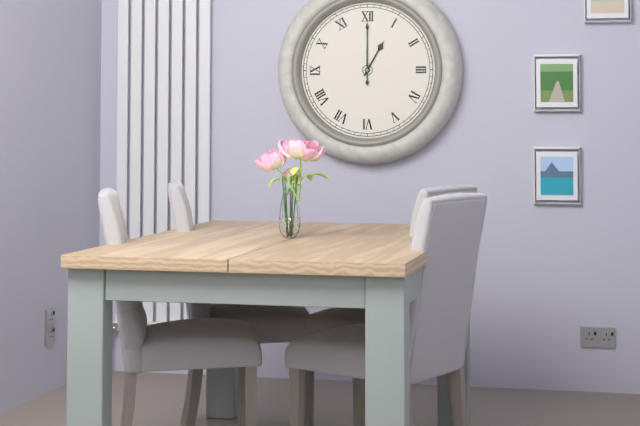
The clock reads 1h00
